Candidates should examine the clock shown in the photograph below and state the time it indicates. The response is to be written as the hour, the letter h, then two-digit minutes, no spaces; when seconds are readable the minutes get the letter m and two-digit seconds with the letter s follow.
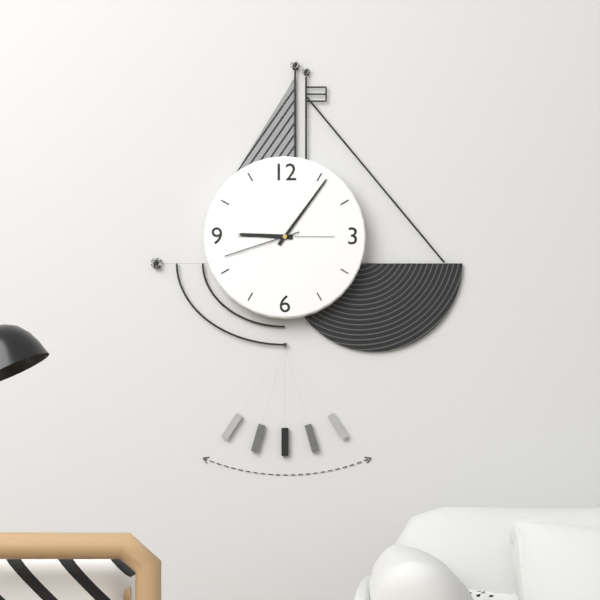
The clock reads 9h06m42s
